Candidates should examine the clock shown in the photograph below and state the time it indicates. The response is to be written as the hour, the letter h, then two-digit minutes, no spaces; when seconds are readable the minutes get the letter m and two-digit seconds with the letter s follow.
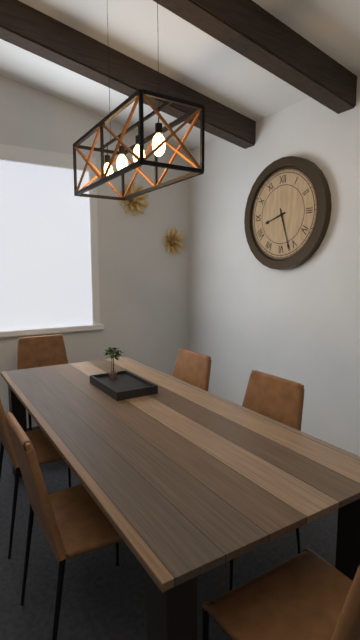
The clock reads 8h27
